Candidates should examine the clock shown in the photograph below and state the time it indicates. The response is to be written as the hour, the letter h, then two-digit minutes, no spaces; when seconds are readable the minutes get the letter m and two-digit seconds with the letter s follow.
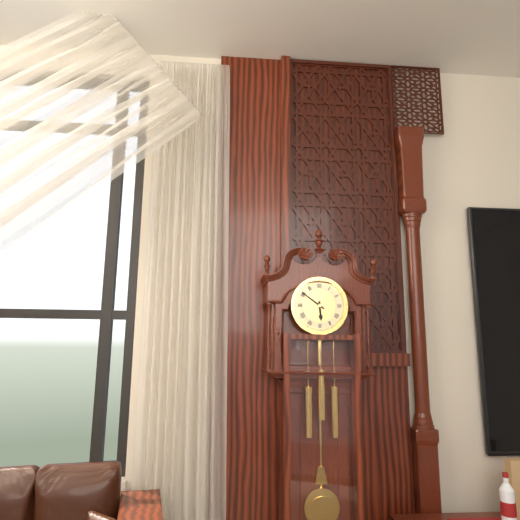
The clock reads 5h51
